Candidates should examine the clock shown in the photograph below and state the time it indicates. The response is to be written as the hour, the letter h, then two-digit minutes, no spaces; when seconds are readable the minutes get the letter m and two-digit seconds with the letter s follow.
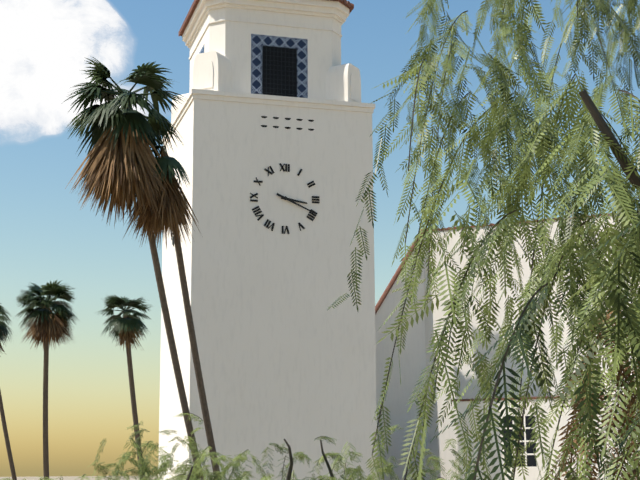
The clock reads 3h19
